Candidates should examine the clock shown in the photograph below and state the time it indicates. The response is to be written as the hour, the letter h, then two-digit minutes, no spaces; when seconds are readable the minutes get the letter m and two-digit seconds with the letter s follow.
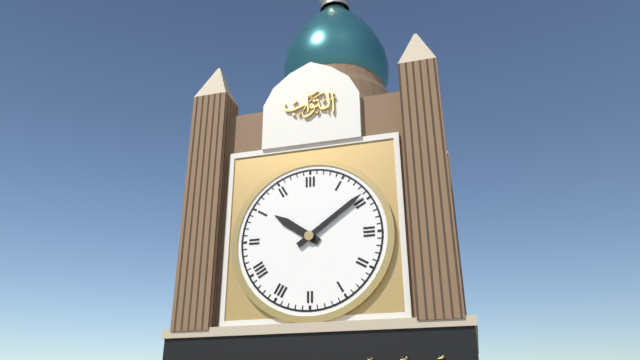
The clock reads 10h09
